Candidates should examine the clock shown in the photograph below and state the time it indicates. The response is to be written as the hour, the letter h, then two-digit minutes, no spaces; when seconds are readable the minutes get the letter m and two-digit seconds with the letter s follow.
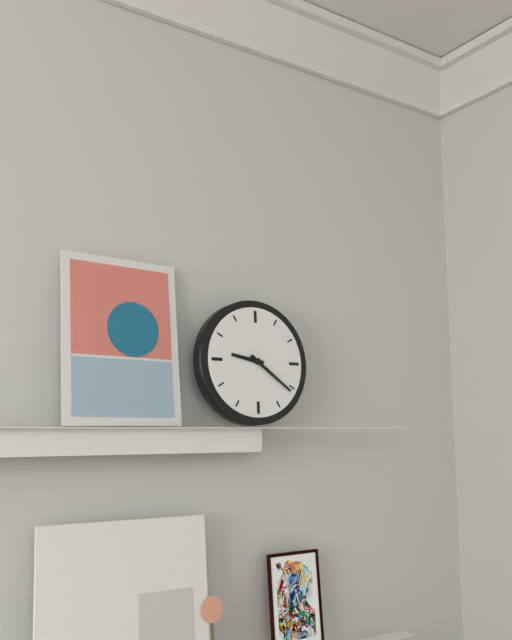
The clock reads 9h21
